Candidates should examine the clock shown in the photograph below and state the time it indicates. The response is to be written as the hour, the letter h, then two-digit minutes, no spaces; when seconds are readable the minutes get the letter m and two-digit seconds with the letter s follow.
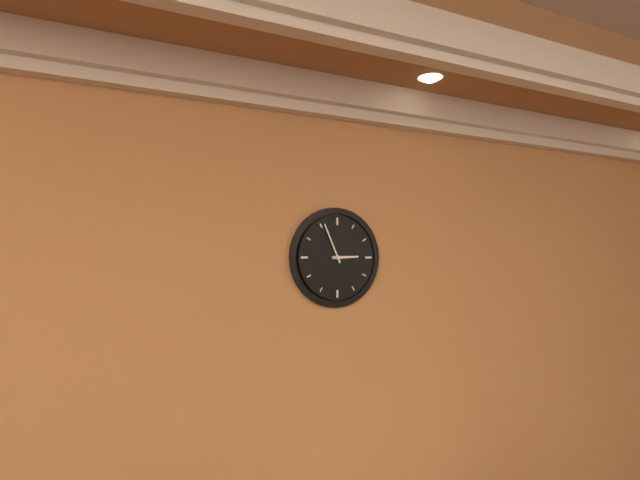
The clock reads 2h56
